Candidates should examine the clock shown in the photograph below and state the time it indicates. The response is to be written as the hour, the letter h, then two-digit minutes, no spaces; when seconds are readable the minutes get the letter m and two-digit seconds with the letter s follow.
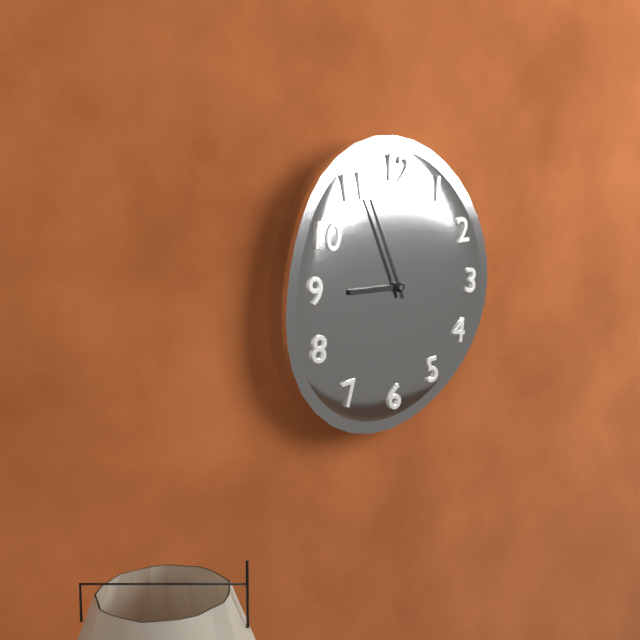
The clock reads 8h56
